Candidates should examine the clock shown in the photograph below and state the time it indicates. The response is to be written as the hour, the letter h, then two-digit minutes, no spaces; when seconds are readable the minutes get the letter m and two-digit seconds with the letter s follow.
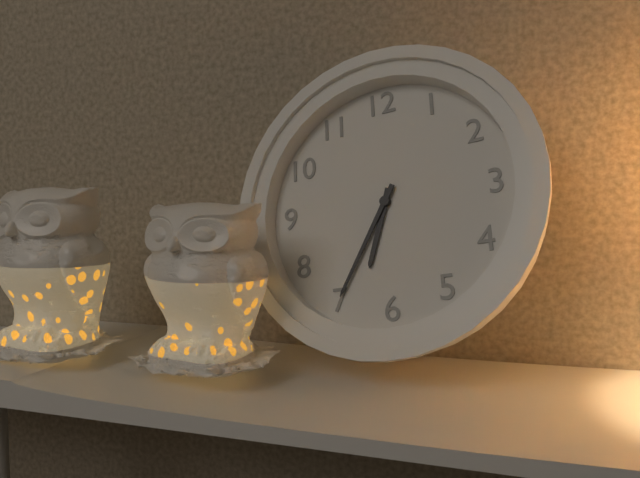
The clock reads 6h35
